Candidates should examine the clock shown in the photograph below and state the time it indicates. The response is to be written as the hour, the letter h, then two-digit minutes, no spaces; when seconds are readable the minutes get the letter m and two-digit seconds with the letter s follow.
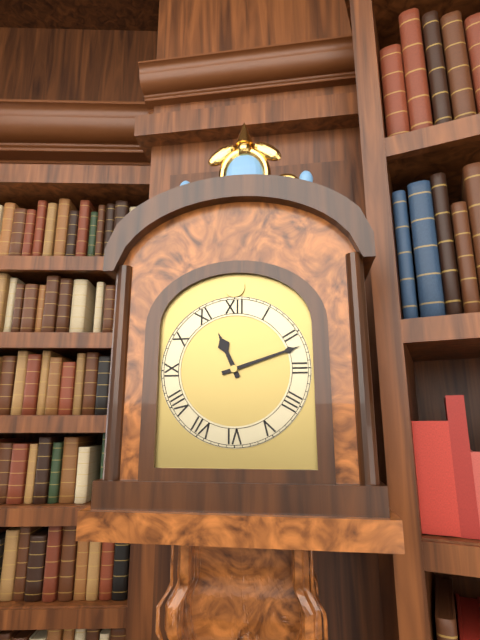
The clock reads 11h12
